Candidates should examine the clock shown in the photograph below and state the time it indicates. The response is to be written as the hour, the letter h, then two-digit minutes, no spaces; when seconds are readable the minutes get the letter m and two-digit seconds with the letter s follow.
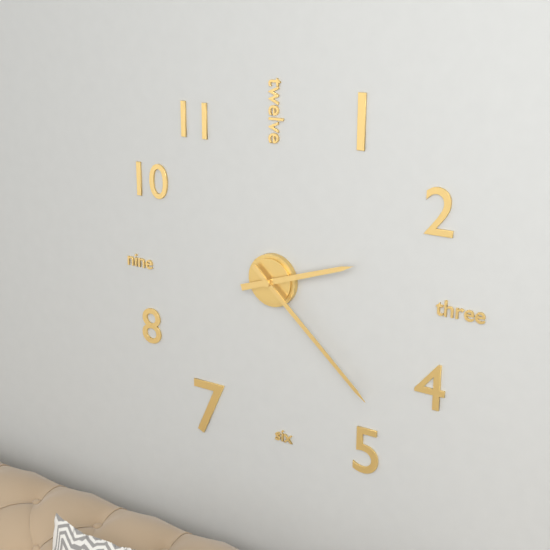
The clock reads 2h22
